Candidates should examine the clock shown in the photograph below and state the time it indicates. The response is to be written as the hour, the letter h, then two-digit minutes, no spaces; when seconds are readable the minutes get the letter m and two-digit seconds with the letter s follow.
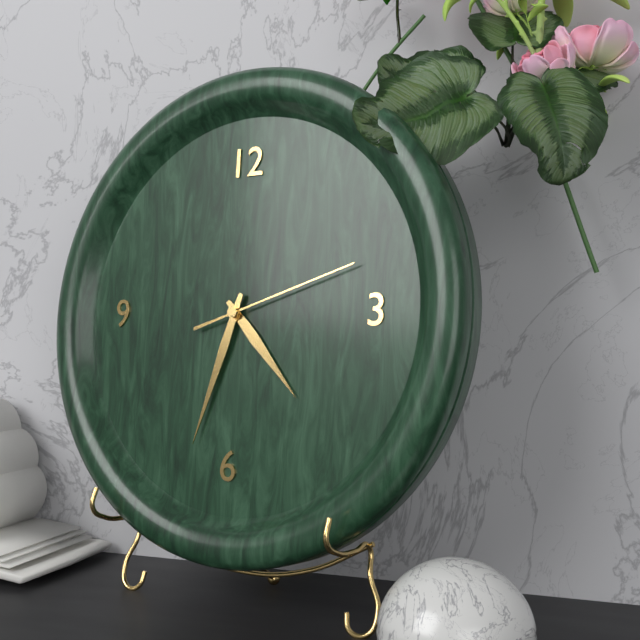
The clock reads 4h33m12s
